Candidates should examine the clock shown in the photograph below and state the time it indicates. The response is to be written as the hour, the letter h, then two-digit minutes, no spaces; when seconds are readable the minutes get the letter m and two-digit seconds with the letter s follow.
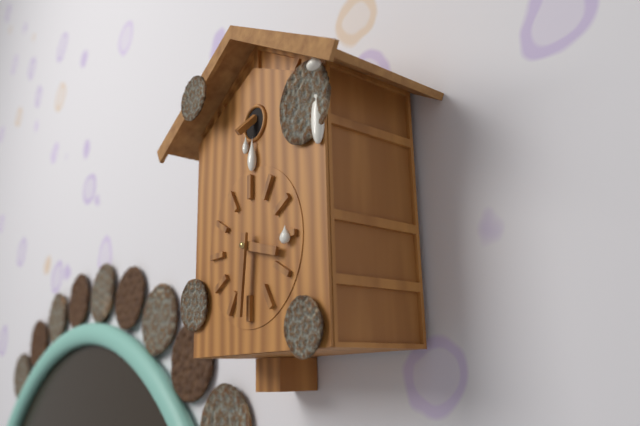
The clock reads 3h31
